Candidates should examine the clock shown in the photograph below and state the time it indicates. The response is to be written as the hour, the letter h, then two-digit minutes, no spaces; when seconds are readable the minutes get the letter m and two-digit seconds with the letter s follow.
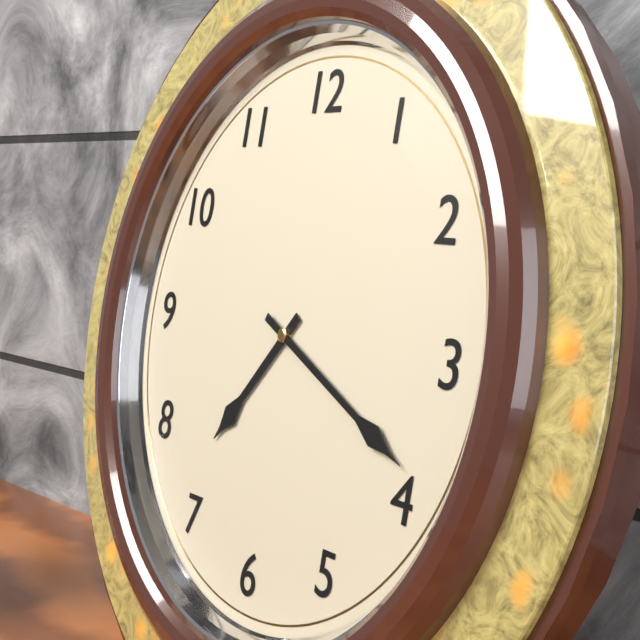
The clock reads 7h19
